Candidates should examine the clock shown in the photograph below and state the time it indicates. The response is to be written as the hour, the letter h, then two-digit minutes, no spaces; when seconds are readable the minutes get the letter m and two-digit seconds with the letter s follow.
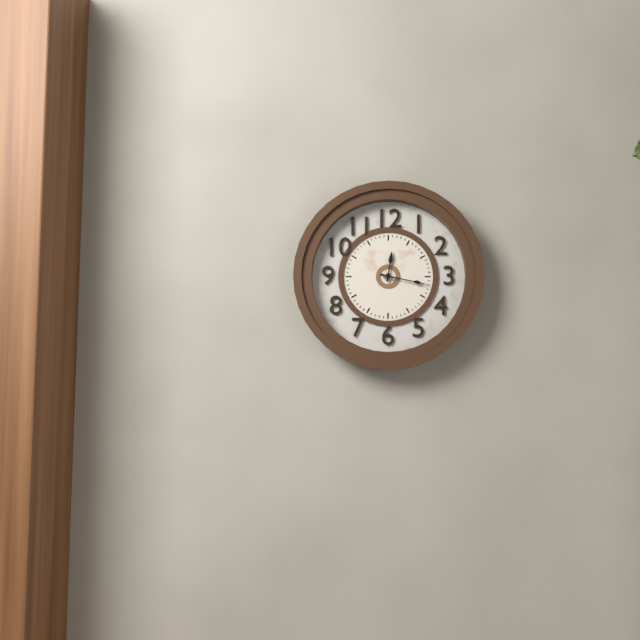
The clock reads 12h17
